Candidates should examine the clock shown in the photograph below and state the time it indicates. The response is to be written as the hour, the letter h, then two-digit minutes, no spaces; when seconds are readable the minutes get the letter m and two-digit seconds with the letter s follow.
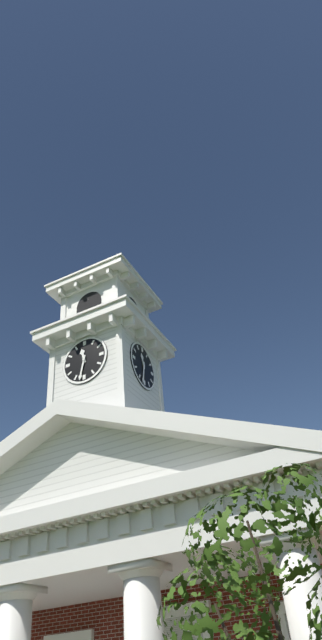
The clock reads 11h32
